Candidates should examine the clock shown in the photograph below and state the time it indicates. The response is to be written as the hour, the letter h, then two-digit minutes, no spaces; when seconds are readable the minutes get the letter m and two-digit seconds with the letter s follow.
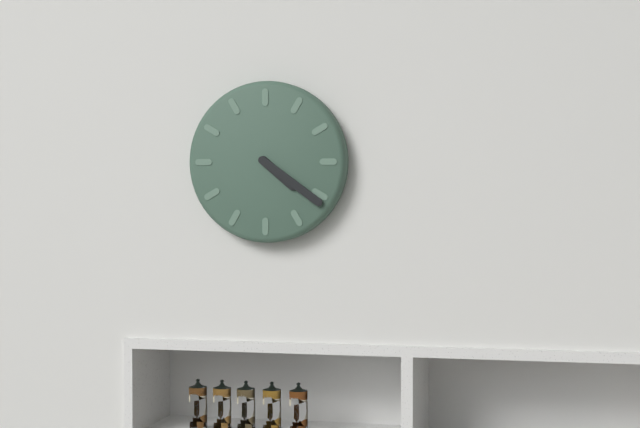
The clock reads 4h21
